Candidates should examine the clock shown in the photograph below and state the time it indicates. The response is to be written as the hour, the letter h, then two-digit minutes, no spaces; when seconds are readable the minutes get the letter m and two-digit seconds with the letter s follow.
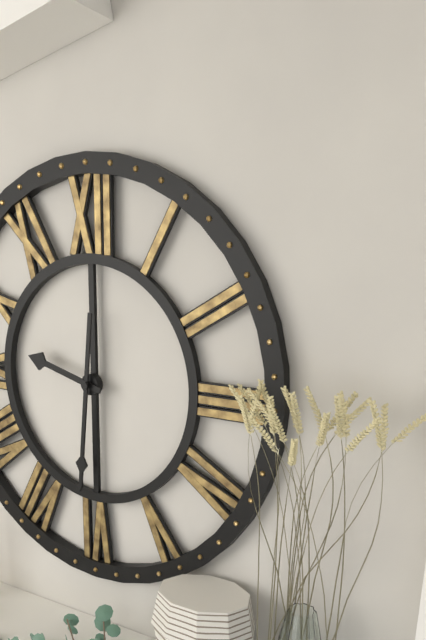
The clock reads 9h31
